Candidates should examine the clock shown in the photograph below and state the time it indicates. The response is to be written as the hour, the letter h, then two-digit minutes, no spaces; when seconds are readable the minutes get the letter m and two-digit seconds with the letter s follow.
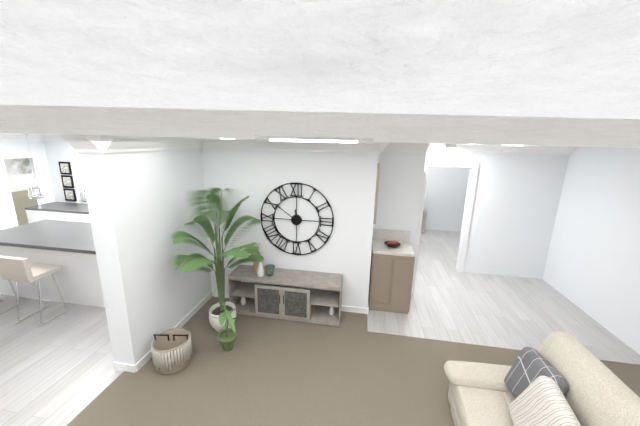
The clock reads 11h51
